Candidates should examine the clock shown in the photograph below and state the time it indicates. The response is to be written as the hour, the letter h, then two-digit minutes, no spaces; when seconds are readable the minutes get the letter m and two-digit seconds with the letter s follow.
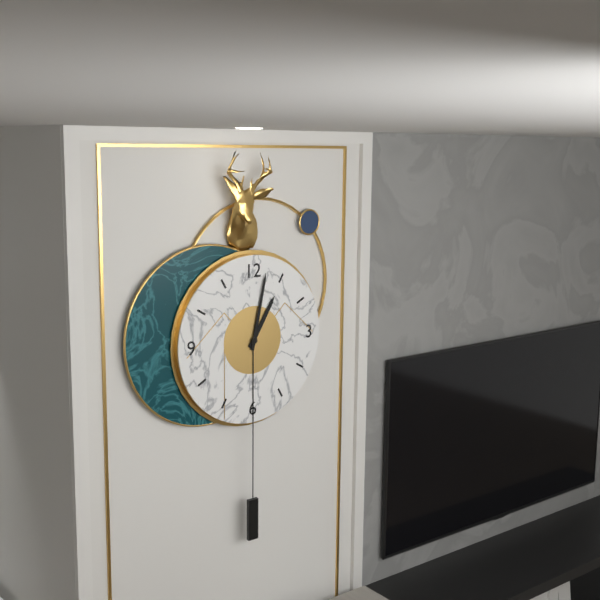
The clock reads 1h02
